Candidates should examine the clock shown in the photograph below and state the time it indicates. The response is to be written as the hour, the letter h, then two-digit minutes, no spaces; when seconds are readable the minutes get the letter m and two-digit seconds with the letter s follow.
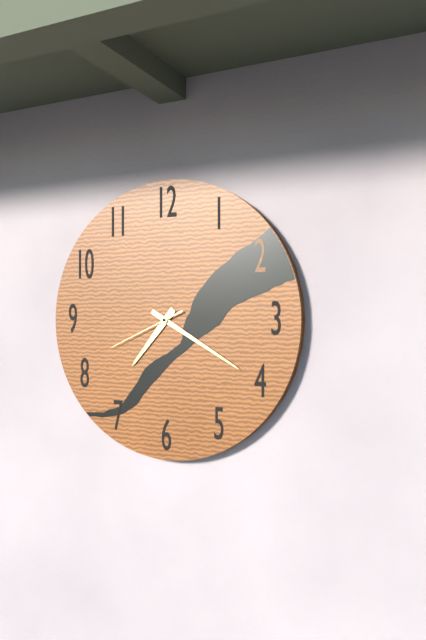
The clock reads 7h20m41s
